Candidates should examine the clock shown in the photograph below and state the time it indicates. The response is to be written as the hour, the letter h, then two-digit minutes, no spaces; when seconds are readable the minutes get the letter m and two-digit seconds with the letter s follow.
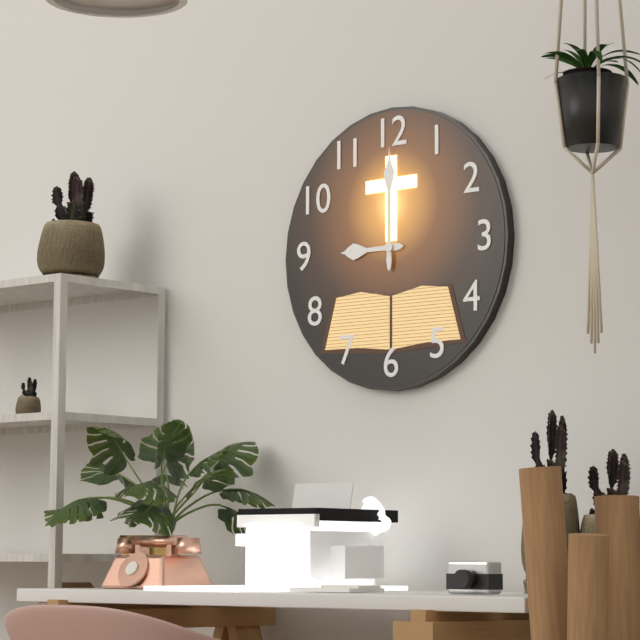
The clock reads 9h00
